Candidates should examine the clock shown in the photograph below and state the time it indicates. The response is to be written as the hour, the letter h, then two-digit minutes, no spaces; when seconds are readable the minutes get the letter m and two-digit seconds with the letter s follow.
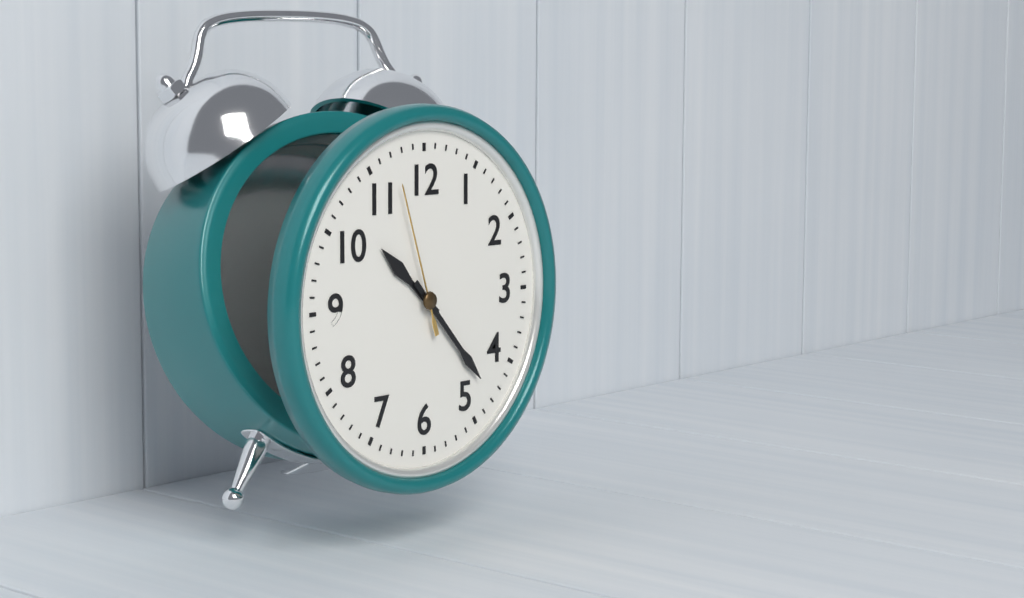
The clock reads 10h23m57s
